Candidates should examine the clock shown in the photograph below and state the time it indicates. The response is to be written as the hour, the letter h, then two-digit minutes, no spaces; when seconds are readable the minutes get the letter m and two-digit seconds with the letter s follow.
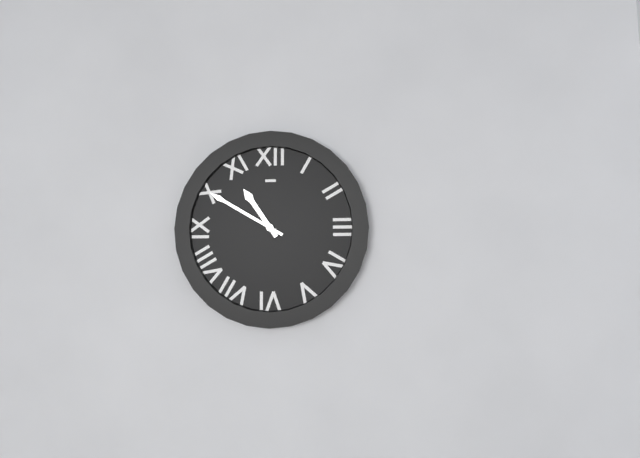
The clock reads 10h50
